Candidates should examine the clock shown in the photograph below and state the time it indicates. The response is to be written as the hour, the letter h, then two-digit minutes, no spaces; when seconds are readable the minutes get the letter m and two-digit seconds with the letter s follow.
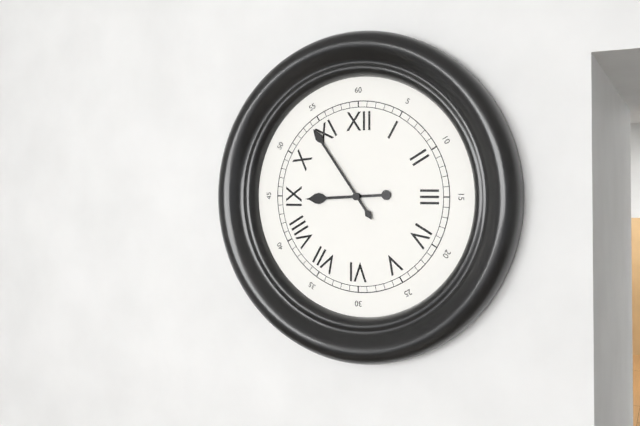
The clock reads 8h54
